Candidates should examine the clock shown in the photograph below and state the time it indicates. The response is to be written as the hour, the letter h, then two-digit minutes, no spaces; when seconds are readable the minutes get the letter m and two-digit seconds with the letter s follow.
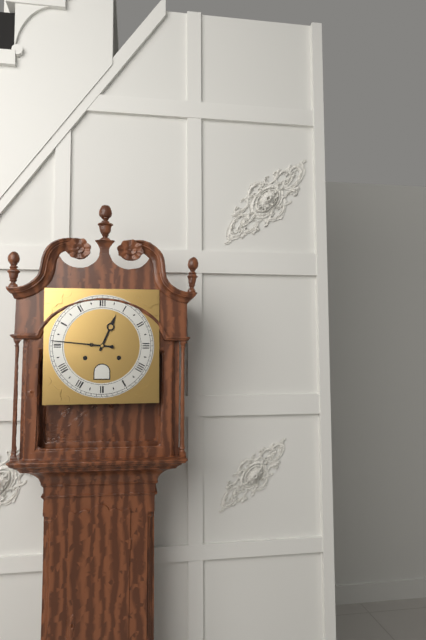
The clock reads 12h46
